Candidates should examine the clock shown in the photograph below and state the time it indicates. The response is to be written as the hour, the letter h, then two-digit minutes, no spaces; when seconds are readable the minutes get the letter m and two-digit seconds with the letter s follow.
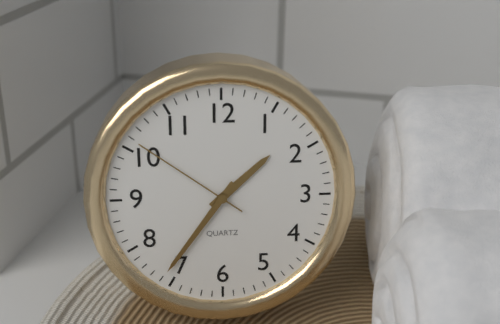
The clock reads 1h36m51s
